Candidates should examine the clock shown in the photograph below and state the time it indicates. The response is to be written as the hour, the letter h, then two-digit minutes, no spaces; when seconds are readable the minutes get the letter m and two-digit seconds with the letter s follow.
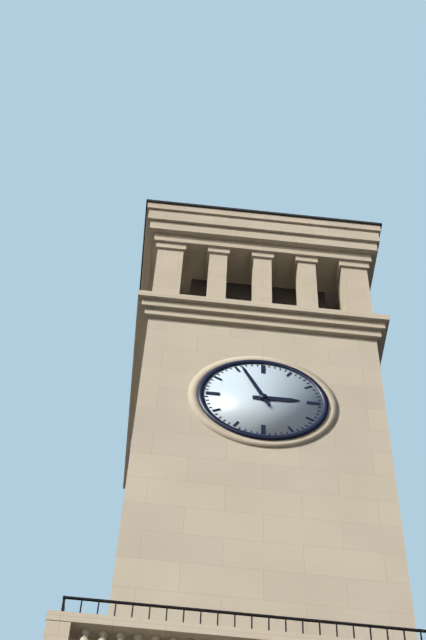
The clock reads 2h56
